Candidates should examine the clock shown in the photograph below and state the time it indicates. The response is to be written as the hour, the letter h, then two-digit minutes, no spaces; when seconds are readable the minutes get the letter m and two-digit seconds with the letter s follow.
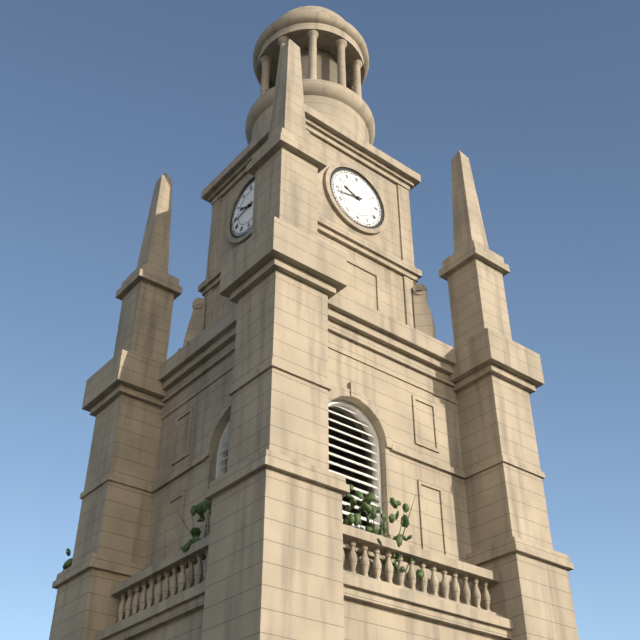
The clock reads 9h43
